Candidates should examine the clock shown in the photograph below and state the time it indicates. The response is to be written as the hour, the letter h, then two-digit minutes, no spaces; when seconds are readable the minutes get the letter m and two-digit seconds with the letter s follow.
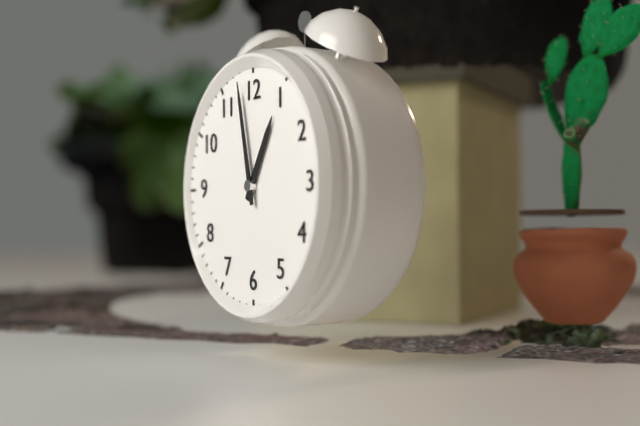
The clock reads 12h58
